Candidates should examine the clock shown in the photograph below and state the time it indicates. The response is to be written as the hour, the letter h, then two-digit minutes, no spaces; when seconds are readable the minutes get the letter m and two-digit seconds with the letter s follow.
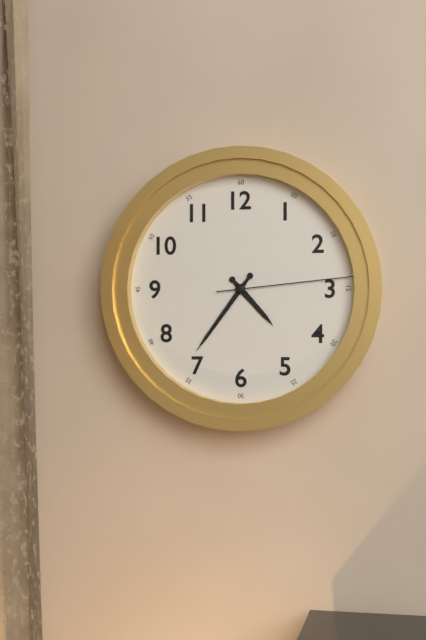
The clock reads 4h36m14s
